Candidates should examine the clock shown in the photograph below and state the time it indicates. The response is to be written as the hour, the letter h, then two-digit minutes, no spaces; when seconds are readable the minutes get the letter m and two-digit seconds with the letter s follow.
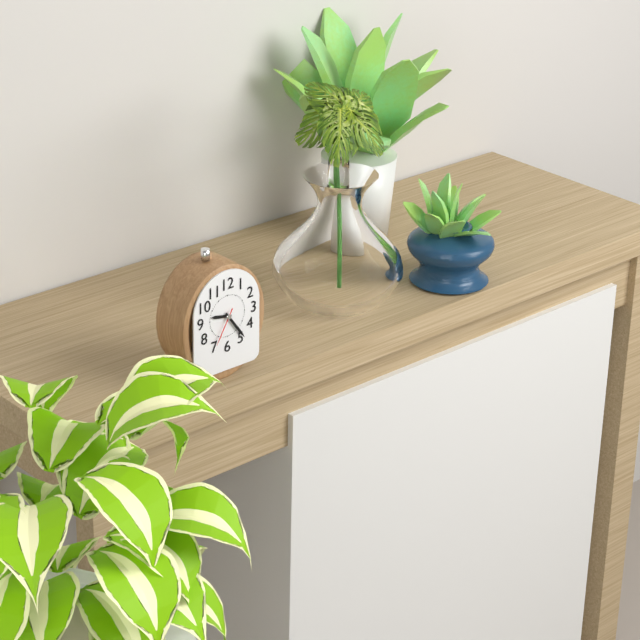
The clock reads 9h24
